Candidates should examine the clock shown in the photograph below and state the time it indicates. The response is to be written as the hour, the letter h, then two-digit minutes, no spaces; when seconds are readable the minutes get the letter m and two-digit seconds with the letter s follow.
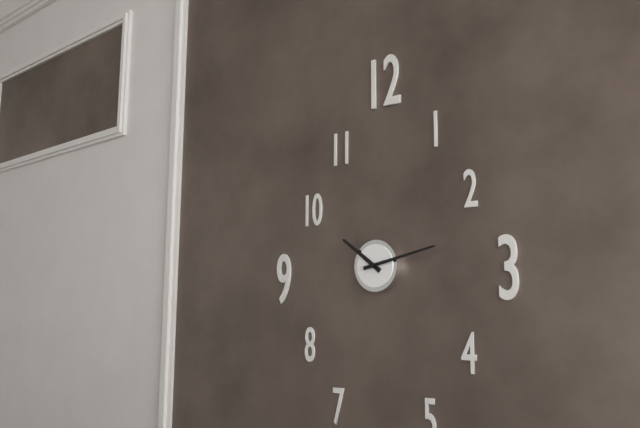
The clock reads 10h13
